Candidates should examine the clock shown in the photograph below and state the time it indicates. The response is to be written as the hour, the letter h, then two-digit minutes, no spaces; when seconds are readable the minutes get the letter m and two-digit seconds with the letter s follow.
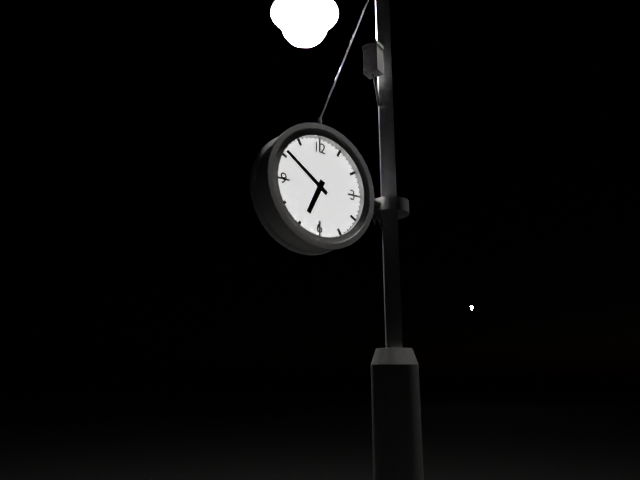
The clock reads 6h51
